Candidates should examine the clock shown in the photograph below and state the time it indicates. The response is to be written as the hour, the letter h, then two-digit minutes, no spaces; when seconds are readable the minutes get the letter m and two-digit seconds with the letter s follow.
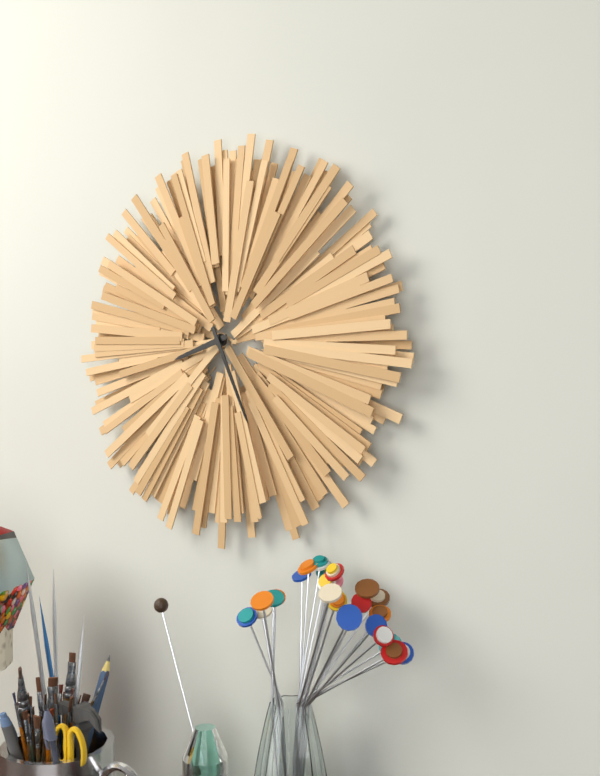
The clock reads 8h26
